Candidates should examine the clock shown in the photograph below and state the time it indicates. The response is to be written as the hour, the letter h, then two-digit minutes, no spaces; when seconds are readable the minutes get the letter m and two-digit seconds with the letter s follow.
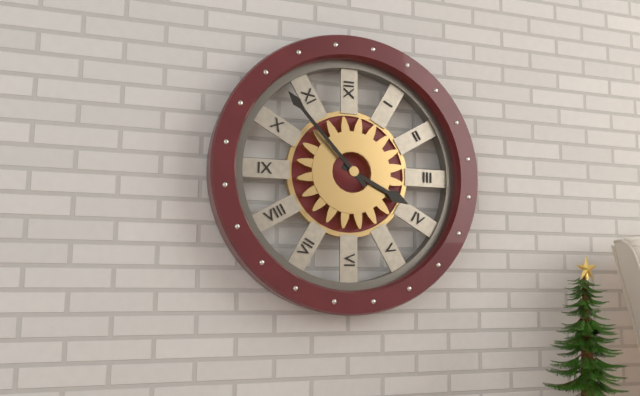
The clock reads 3h53
